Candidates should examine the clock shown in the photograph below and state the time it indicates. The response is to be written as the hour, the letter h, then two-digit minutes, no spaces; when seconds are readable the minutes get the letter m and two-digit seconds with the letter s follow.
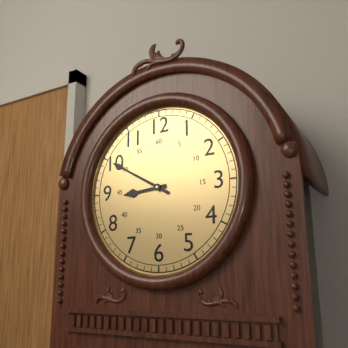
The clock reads 8h50
